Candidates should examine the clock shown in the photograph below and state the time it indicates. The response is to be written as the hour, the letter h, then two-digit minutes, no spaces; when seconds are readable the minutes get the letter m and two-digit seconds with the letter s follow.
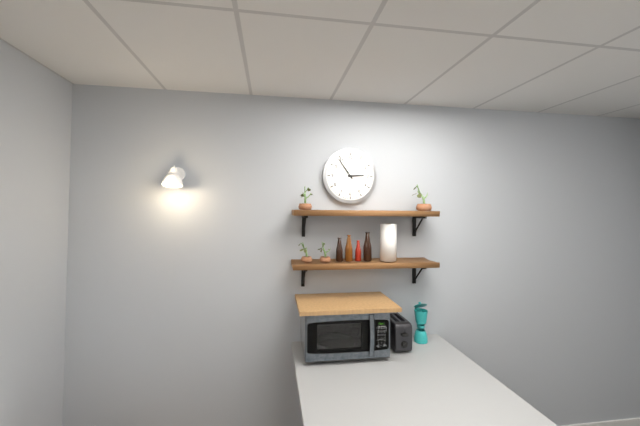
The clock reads 2h54
